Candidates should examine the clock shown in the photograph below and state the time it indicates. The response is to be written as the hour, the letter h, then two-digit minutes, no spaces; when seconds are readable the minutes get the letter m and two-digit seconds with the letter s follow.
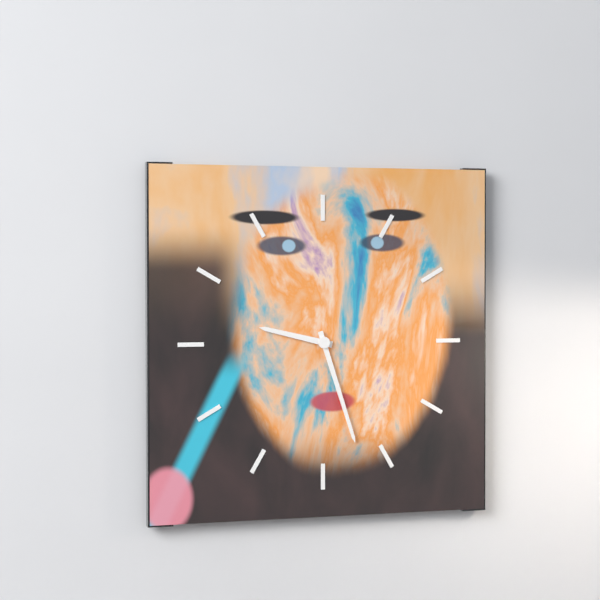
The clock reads 9h27
